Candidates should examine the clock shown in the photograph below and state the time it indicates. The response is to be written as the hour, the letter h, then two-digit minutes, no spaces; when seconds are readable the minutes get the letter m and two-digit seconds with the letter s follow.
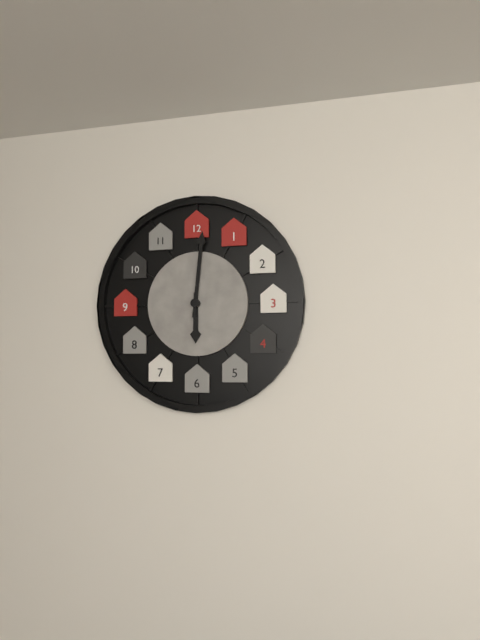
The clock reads 6h01
